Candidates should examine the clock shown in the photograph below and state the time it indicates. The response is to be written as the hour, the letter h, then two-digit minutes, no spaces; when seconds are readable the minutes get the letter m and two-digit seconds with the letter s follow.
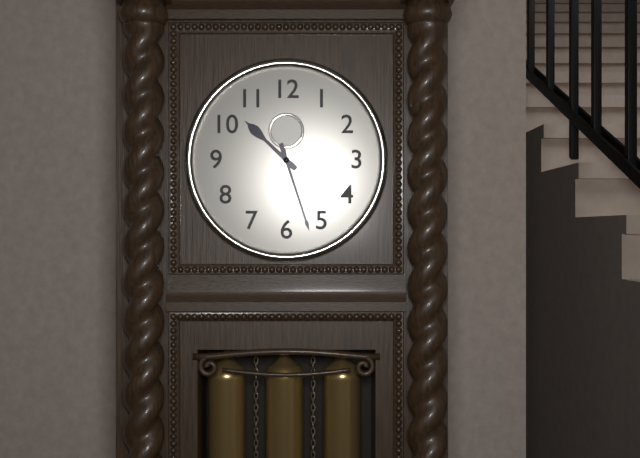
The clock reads 10h27
